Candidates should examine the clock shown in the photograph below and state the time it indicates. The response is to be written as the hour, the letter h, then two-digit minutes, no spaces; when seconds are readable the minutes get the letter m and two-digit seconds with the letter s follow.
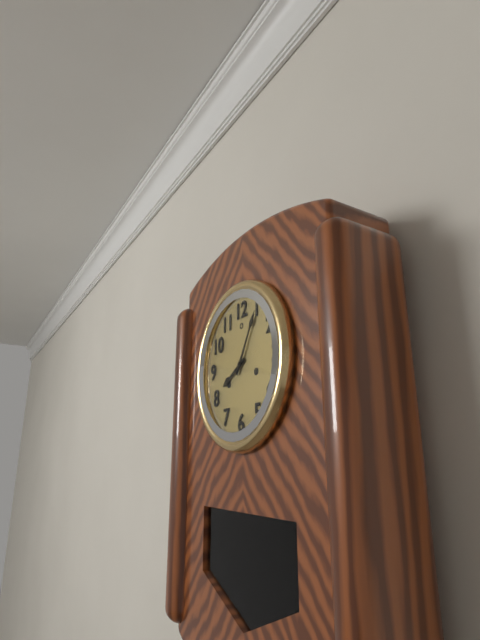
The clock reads 8h05
